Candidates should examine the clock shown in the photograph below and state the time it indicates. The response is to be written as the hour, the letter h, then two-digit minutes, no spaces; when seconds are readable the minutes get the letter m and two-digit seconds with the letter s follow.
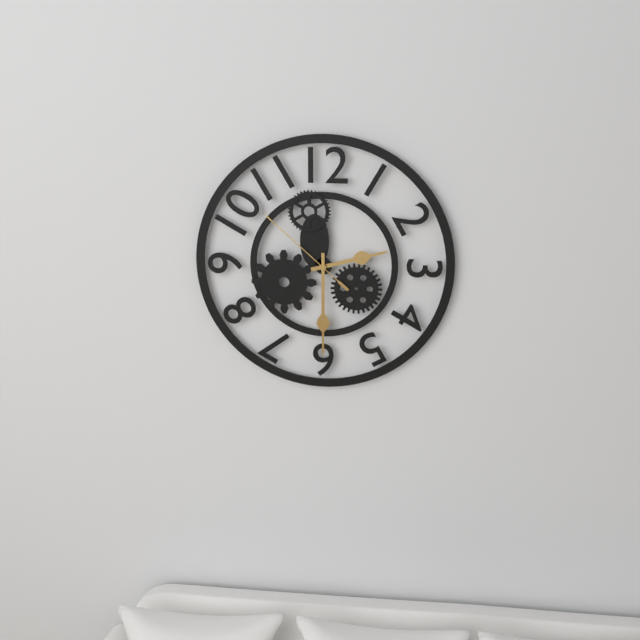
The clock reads 2h30m52s
